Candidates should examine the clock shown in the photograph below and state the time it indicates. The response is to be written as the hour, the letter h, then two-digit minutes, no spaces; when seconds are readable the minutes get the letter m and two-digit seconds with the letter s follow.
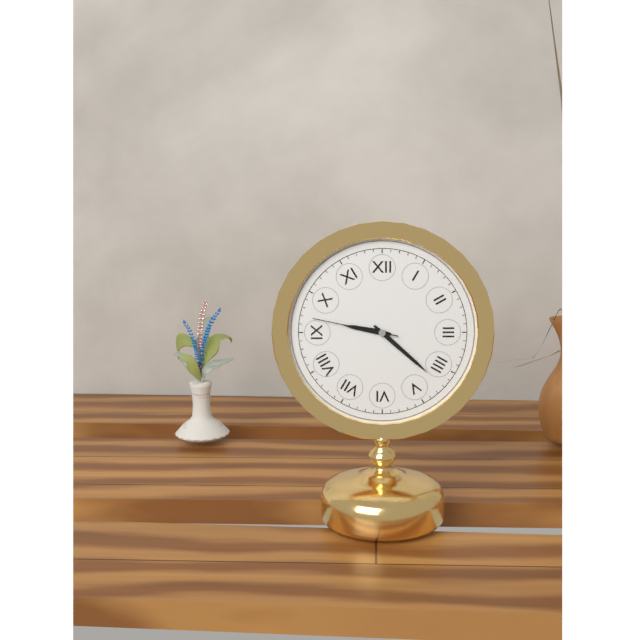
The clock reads 9h22m47s
